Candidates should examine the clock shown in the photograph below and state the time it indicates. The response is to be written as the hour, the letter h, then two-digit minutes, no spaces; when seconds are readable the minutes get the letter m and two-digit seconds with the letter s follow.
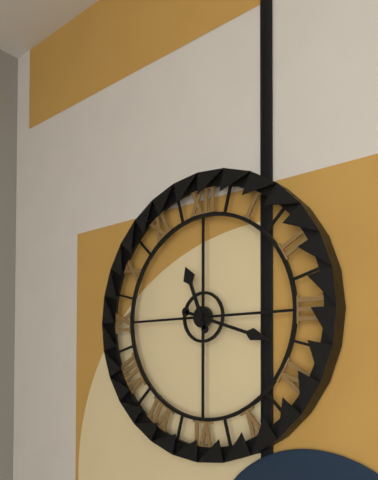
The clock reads 11h18
